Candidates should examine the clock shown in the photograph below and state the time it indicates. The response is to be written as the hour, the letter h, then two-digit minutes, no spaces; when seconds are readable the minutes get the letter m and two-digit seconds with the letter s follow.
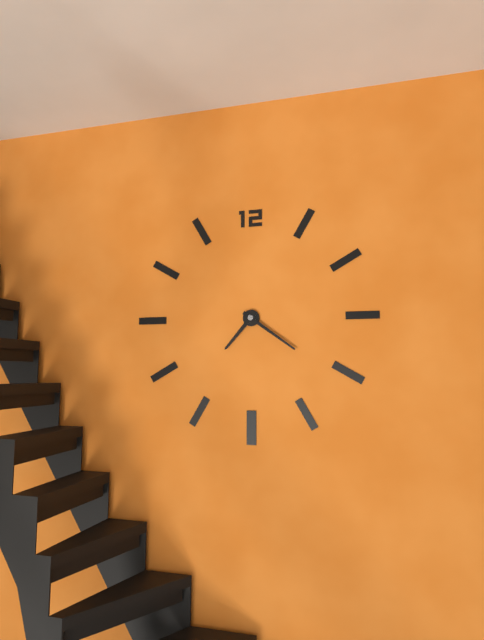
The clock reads 7h21
